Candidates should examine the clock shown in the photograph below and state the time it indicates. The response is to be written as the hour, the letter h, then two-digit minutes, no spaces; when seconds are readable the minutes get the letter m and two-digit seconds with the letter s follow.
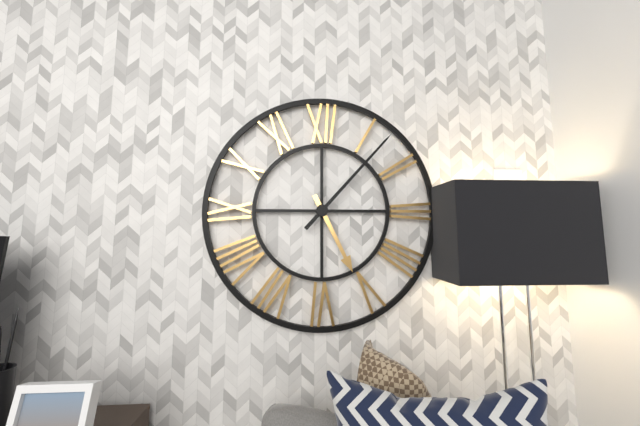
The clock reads 5h07
